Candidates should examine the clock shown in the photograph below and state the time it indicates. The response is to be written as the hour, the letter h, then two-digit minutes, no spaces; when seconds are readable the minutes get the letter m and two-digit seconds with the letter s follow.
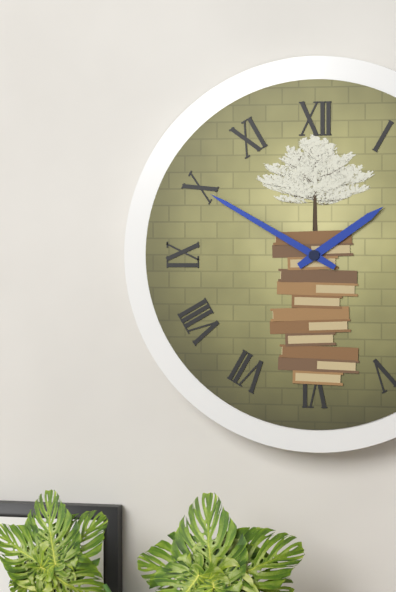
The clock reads 1h50
